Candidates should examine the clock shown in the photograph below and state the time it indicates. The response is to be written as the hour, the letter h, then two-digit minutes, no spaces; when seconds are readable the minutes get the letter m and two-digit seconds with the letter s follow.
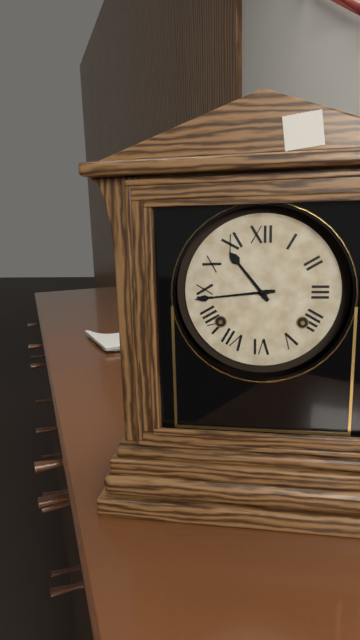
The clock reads 10h44
